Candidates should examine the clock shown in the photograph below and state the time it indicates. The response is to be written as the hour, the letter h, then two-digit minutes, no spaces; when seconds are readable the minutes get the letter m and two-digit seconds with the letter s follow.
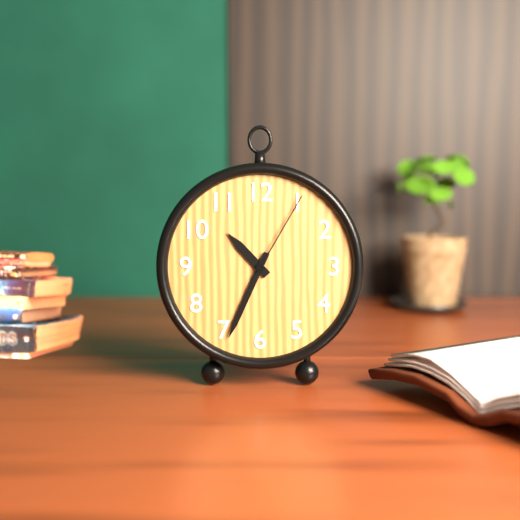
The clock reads 10h34m05s
